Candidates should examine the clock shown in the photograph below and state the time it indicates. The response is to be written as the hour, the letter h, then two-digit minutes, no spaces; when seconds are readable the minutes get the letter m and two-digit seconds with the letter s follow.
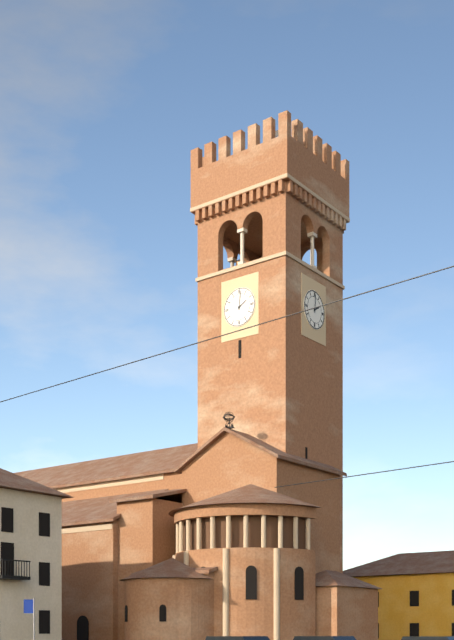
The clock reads 2h01
